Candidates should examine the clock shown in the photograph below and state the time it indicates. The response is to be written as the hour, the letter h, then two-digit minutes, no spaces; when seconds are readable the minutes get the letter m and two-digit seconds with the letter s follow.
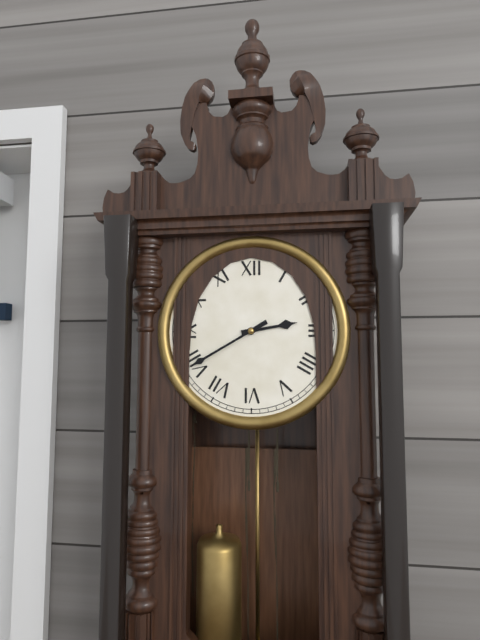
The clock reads 2h40
